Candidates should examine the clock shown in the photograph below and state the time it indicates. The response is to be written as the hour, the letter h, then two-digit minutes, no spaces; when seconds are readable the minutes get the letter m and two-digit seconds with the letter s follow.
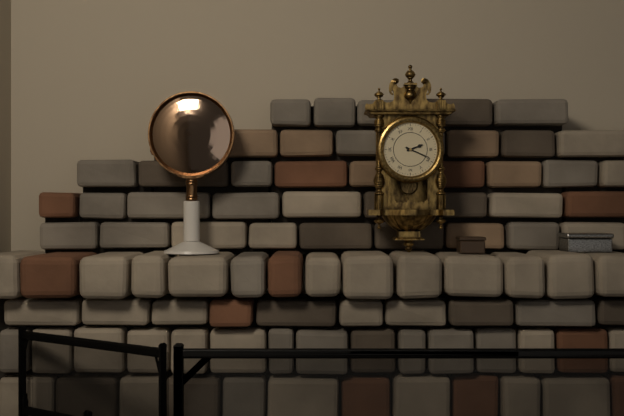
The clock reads 2h19
